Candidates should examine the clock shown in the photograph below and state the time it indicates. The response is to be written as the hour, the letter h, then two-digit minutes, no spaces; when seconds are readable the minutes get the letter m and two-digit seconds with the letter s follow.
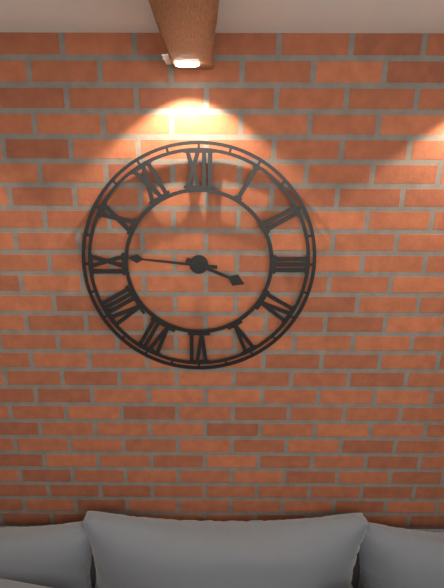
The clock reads 3h46
